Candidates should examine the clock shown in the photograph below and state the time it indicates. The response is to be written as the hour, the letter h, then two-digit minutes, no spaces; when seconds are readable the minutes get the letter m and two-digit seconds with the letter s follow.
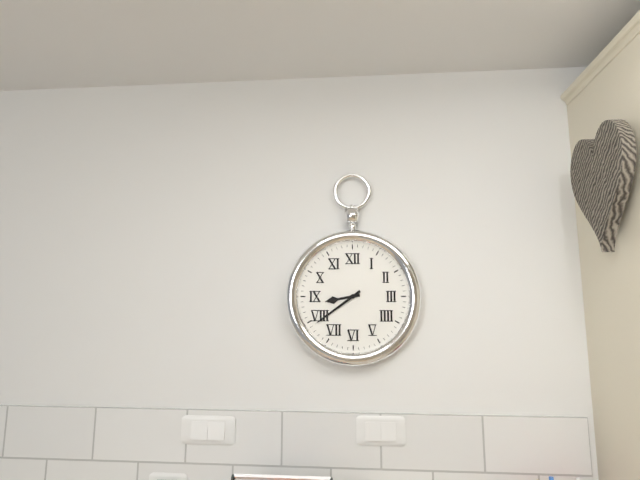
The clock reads 8h39
